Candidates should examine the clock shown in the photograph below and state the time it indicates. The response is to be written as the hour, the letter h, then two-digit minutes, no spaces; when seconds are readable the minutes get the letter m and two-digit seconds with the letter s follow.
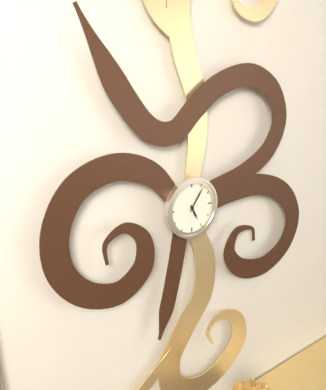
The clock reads 5h06
